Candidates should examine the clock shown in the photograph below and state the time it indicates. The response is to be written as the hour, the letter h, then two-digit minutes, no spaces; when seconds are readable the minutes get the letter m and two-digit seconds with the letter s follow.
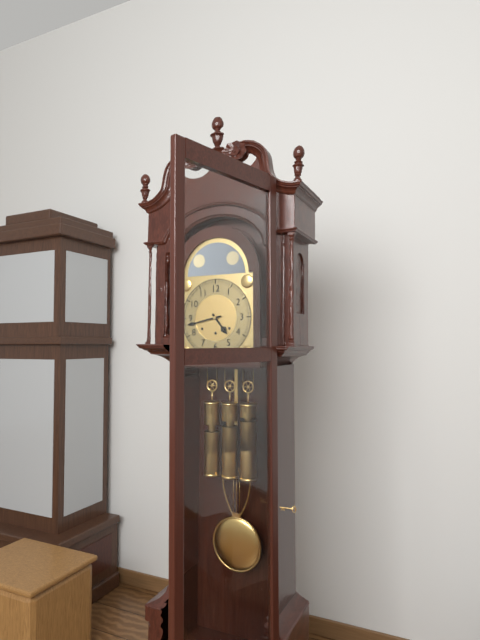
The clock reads 4h43
